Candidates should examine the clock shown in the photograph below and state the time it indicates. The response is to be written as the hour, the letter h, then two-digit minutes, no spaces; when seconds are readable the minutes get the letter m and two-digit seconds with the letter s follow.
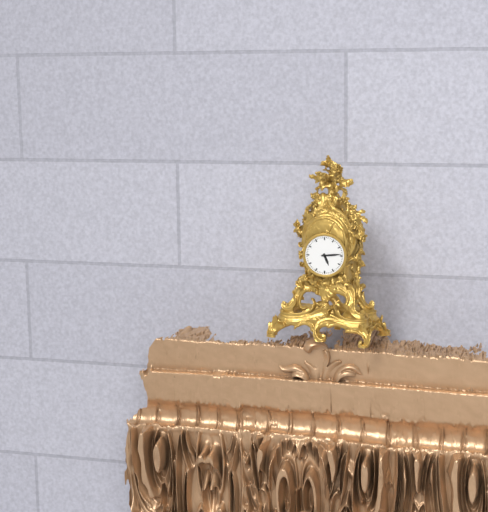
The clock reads 5h14
